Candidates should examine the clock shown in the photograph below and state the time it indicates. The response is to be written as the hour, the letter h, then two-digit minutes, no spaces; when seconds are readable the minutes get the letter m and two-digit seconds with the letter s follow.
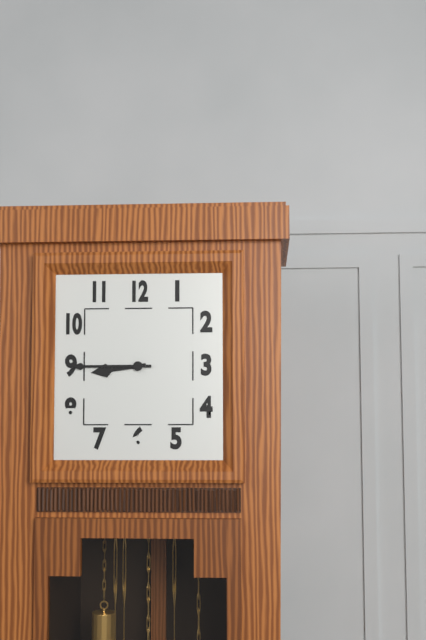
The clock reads 8h45
